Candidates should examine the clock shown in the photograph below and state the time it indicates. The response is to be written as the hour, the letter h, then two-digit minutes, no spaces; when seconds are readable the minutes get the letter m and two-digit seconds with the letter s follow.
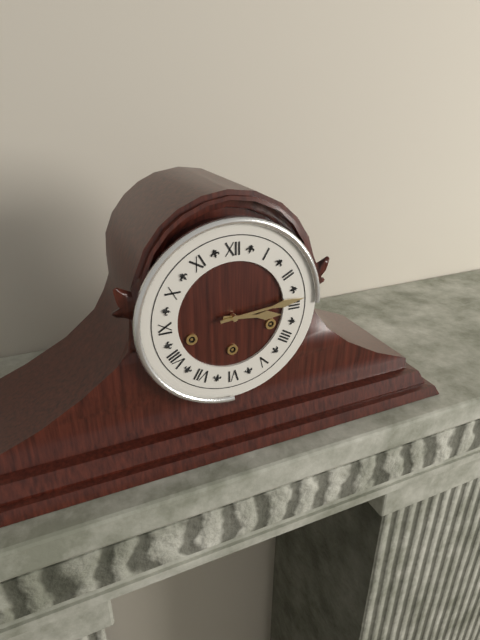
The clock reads 3h14
